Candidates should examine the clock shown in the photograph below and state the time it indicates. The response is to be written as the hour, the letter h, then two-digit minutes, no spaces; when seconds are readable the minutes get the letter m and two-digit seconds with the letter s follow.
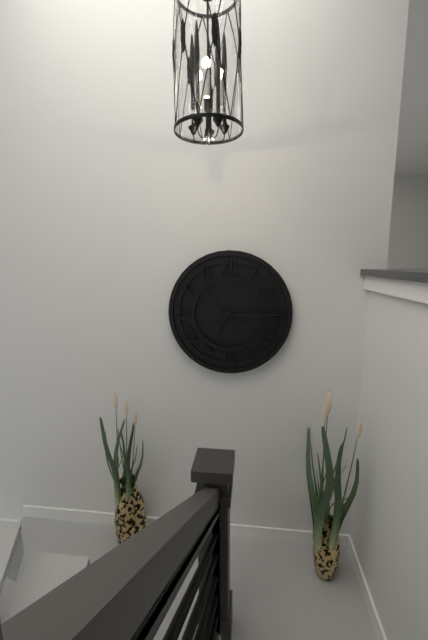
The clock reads 7h15m52s
